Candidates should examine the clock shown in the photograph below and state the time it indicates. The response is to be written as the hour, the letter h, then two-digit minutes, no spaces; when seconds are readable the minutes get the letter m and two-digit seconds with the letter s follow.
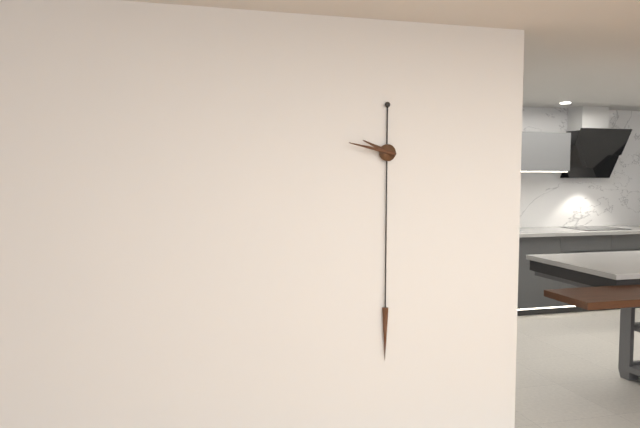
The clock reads 9h47
